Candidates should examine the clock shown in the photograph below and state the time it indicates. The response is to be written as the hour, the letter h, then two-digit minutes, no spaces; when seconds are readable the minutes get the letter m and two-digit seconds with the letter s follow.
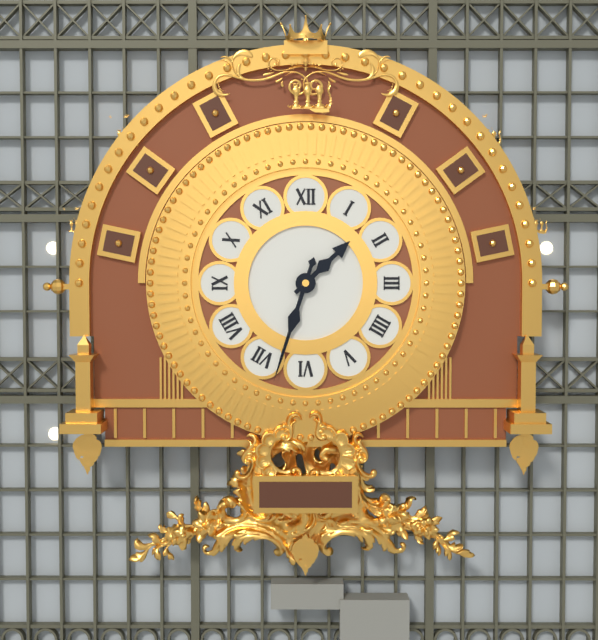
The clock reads 1h33
